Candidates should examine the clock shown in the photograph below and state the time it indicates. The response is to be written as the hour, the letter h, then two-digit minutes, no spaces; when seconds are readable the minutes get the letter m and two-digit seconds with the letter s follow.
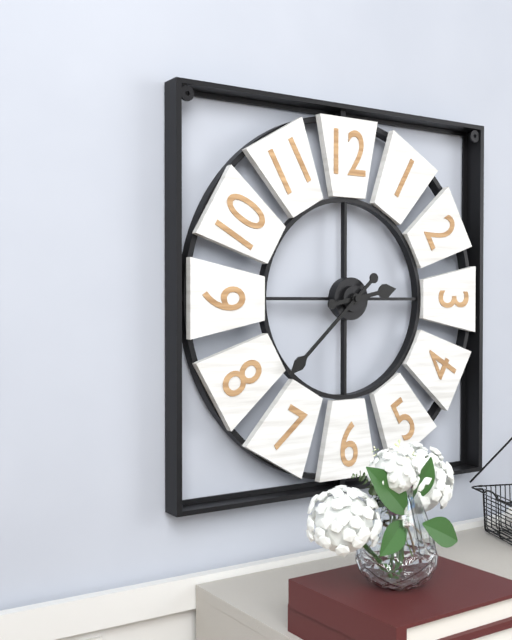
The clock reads 2h38
